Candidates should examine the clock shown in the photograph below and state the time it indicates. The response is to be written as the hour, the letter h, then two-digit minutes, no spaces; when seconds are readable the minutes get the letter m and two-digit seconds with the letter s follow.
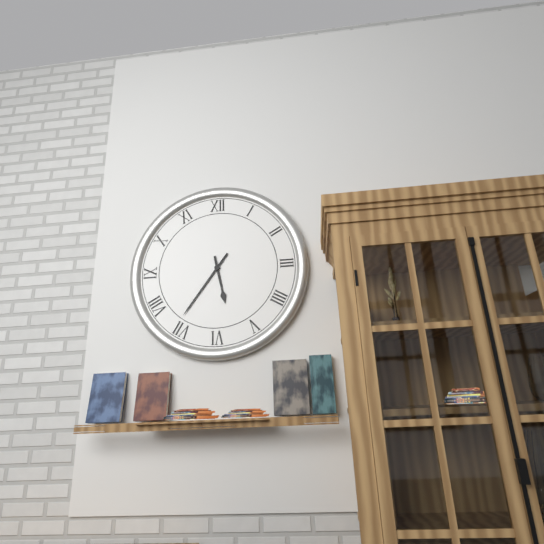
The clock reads 5h36
